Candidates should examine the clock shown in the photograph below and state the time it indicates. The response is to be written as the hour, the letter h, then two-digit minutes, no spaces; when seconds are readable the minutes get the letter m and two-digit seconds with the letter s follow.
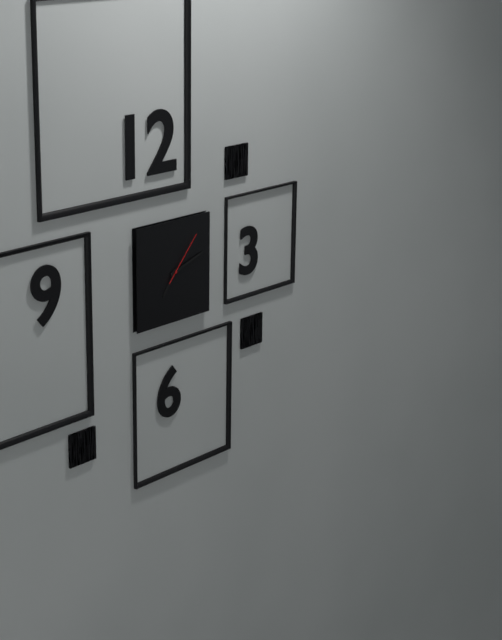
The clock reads 7h12m07s
